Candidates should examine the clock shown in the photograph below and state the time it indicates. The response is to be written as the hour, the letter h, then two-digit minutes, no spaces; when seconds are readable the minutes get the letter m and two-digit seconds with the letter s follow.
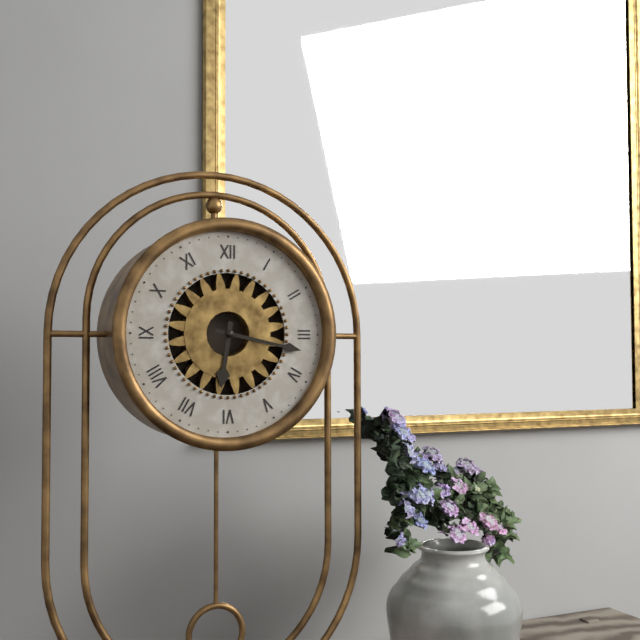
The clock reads 6h17
